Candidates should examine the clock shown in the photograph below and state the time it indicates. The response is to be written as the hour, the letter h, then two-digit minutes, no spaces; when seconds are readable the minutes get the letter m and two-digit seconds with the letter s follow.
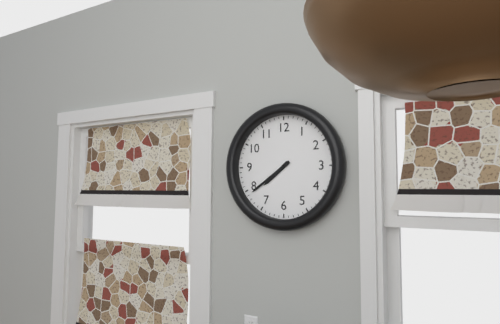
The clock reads 7h39
